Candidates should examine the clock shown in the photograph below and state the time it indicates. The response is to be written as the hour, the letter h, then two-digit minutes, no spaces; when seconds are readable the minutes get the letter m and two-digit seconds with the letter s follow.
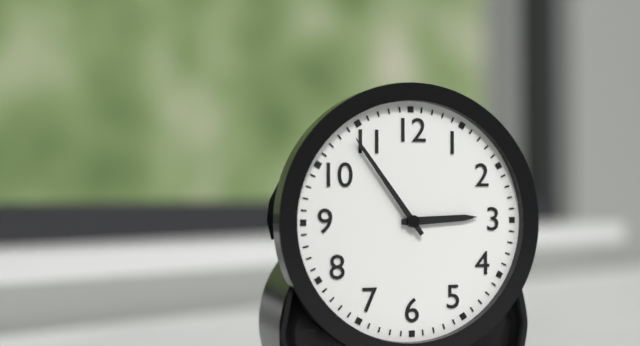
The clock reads 2h54
